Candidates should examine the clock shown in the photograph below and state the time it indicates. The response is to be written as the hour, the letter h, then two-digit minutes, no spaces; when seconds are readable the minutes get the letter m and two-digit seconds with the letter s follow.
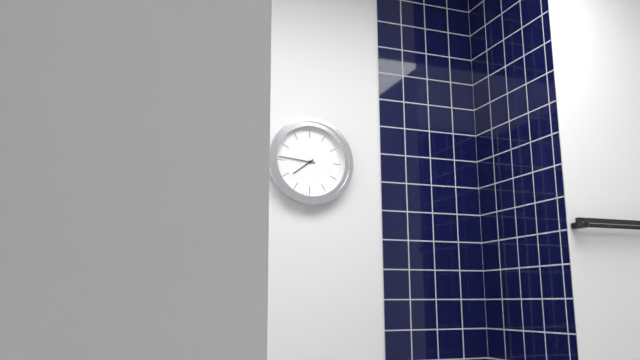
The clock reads 7h46
